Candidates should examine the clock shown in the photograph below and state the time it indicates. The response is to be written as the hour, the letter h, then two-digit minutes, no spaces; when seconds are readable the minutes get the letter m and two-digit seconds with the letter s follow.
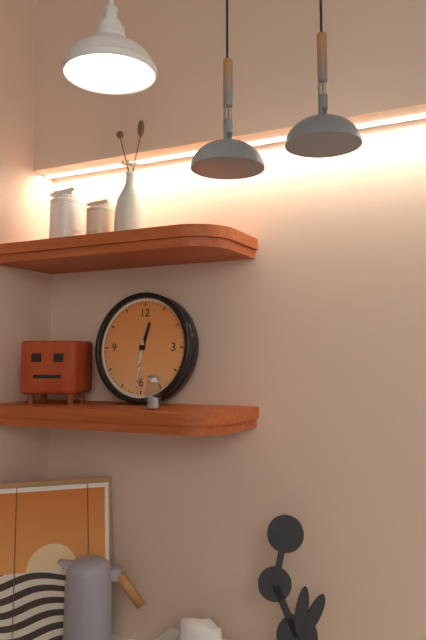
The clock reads 12h31
